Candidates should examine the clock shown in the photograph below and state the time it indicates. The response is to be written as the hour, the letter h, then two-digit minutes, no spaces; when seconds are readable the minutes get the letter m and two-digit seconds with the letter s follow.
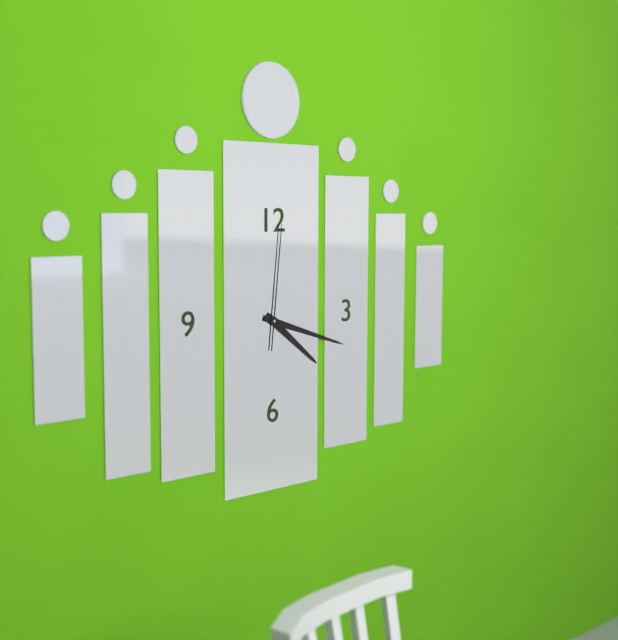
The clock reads 4h18m01s
